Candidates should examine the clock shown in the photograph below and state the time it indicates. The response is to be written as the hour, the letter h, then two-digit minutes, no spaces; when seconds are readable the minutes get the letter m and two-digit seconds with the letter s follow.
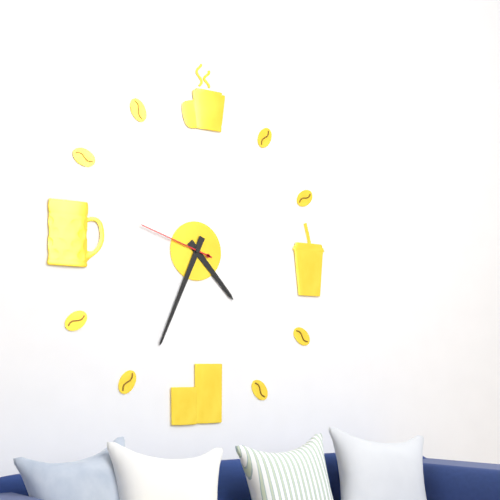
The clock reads 4h34m48s
